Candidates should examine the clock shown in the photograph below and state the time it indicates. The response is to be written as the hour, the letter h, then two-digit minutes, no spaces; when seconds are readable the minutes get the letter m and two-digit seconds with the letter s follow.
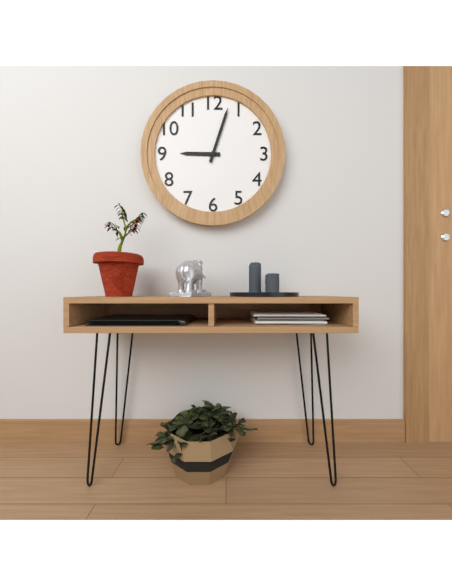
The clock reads 9h03
